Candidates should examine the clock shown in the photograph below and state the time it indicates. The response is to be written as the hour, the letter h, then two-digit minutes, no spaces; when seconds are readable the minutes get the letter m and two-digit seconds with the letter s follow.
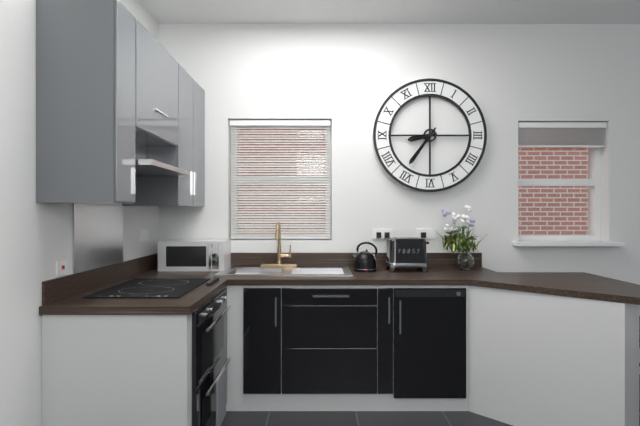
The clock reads 8h36
